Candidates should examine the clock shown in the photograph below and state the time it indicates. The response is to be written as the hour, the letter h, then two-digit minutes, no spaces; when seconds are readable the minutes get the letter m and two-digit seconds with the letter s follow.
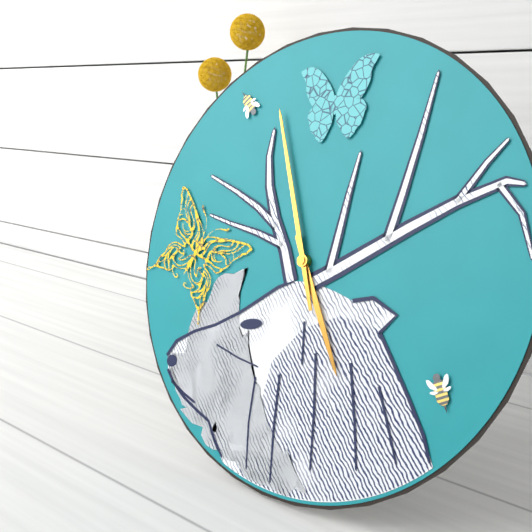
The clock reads 4h56
